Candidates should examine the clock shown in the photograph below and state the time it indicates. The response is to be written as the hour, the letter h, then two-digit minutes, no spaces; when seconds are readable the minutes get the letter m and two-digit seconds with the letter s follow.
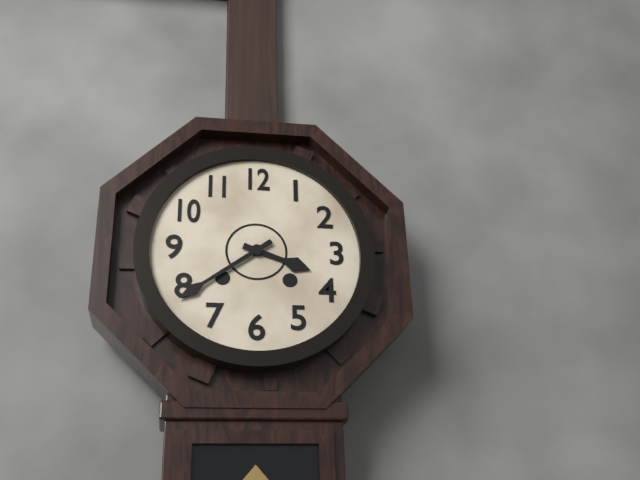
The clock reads 3h39
